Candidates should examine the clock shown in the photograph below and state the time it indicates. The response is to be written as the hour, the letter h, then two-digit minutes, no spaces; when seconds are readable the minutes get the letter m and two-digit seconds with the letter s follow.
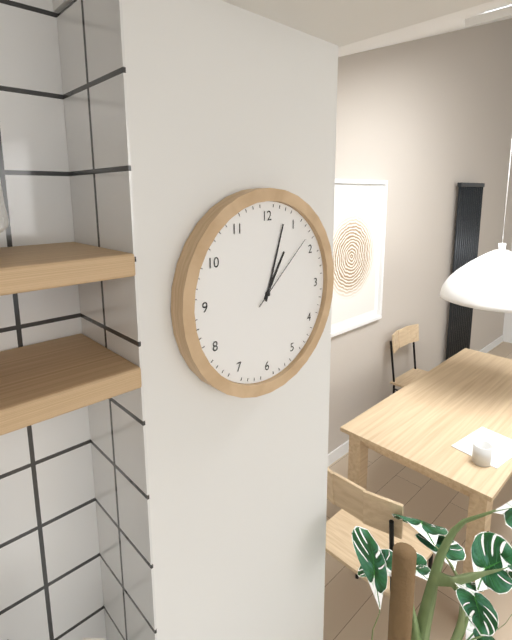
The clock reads 1h03m08s
